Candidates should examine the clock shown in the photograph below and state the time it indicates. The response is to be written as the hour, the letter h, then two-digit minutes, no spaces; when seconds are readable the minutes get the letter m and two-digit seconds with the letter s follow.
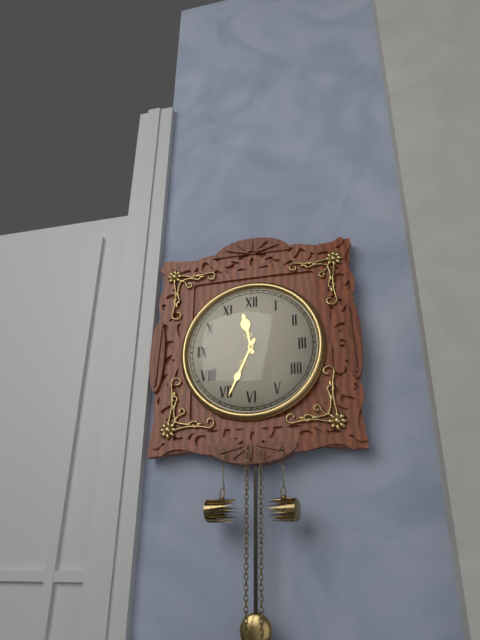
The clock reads 11h34
